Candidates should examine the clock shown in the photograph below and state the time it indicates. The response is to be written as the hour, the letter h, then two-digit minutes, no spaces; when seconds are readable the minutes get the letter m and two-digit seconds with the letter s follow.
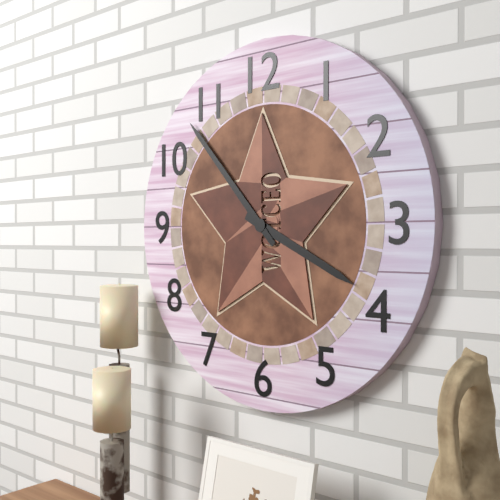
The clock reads 3h53
